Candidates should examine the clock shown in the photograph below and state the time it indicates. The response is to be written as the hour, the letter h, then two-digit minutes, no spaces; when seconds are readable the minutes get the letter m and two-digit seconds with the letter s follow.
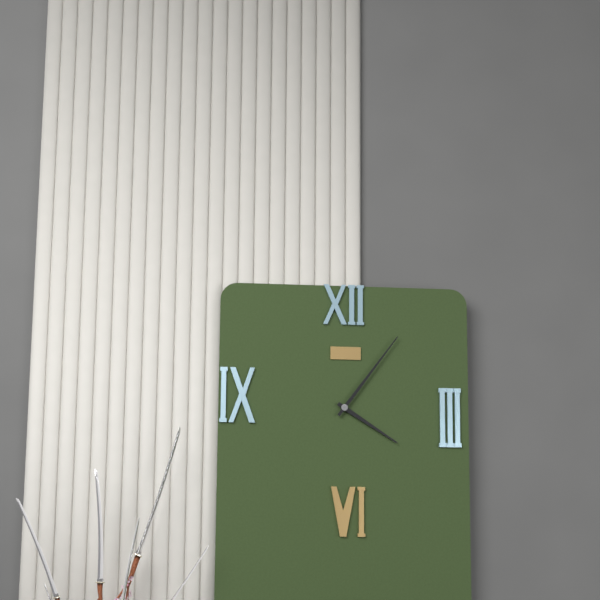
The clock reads 4h06
